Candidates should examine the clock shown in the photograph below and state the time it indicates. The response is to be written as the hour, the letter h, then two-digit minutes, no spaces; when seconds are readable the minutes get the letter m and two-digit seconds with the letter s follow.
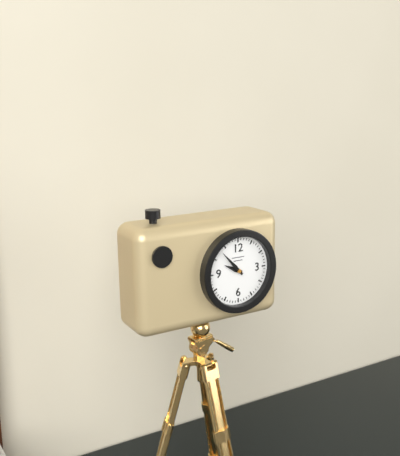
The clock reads 9h53
